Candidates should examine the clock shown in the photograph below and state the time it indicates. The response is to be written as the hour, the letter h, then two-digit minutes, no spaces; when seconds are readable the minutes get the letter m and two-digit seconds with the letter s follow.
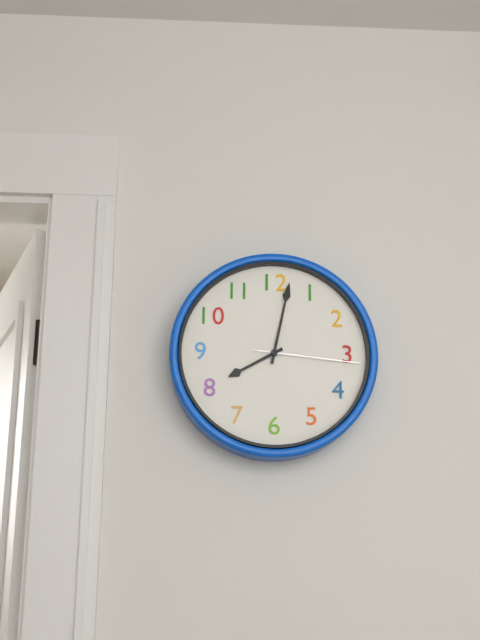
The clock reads 8h02m16s
